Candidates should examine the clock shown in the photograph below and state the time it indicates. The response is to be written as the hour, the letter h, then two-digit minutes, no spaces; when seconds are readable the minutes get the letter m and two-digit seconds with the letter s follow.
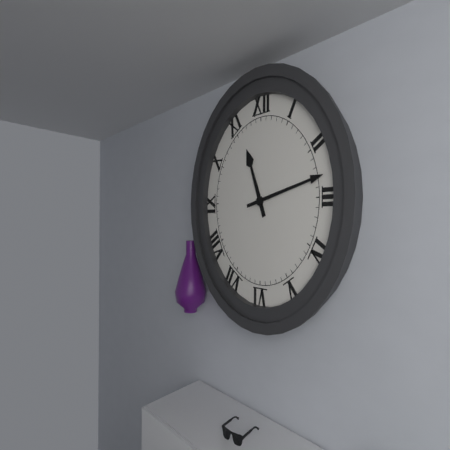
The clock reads 11h13
